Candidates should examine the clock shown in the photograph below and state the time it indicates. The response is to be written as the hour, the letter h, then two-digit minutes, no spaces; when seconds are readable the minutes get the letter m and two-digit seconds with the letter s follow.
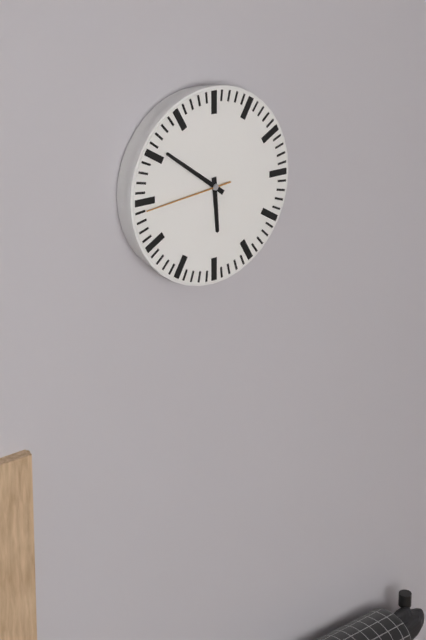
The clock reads 5h51m44s
